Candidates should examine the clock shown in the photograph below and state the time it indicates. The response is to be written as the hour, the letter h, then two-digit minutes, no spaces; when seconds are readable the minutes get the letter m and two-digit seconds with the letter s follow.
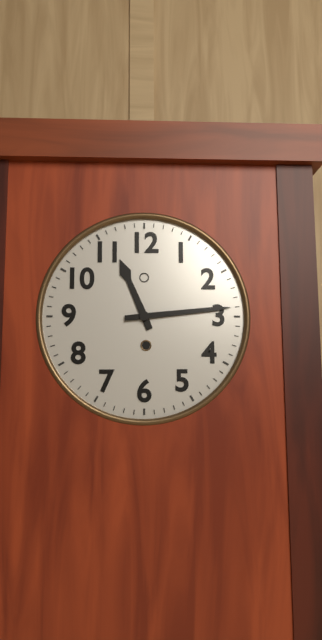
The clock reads 11h14
